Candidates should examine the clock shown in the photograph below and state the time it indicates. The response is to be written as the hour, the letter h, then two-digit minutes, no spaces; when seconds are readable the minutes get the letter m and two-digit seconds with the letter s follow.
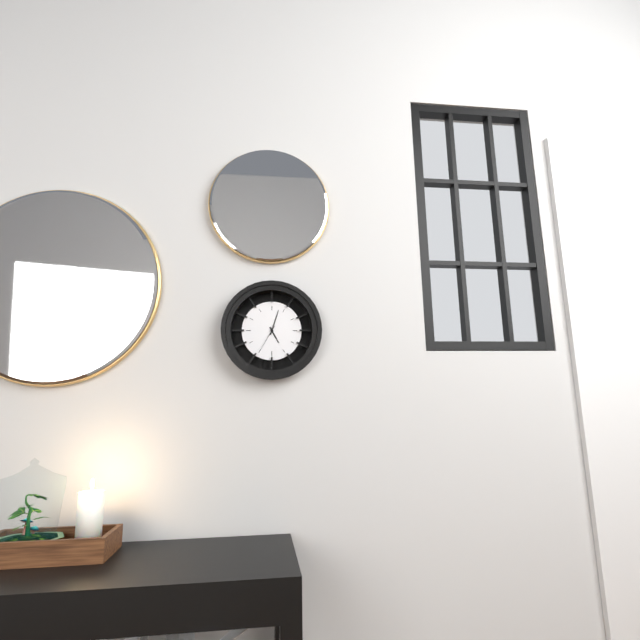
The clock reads 5h03
